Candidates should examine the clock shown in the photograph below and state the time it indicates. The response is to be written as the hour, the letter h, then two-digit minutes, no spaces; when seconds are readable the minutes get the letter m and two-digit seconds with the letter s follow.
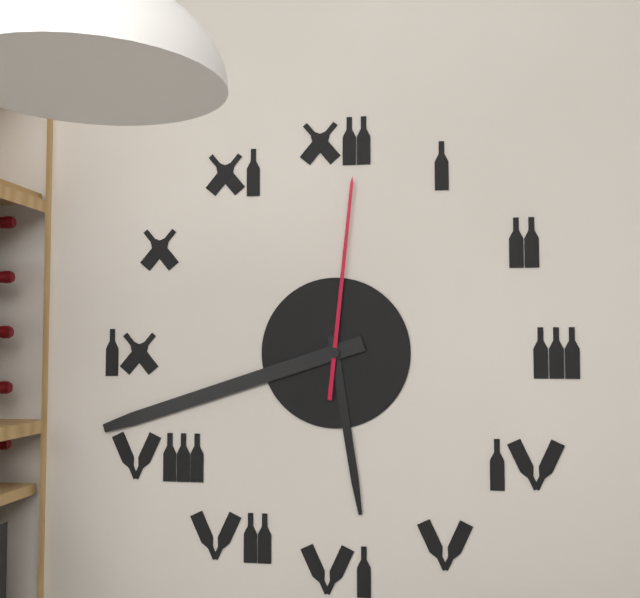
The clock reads 5h42m01s
